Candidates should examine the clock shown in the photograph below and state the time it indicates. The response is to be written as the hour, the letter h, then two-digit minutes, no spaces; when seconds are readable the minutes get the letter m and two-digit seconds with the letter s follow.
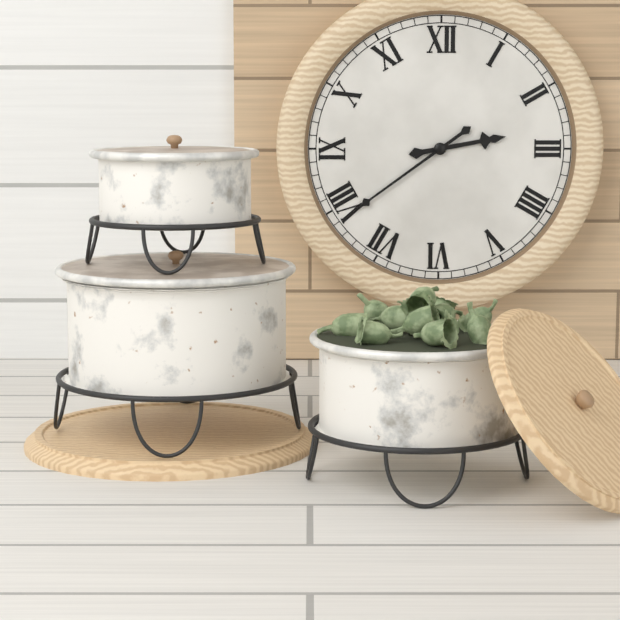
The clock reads 2h39
